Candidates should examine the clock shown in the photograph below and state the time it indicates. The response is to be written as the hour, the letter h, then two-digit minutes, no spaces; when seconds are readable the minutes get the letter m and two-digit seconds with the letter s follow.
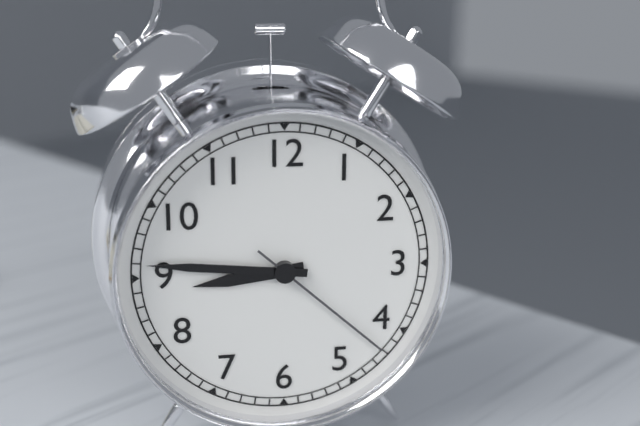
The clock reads 8h46m22s
